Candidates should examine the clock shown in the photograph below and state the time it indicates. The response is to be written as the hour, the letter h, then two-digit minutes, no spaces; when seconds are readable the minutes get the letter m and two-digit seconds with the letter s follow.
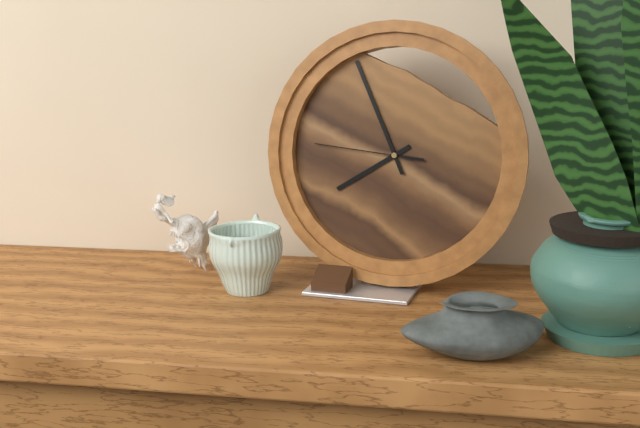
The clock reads 7h56m46s
